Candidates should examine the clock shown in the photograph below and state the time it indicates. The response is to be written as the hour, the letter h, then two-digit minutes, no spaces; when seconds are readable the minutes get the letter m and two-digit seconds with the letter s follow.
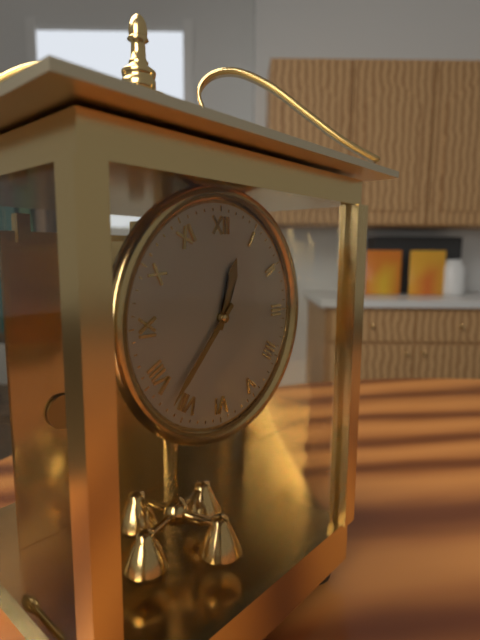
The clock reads 12h37
